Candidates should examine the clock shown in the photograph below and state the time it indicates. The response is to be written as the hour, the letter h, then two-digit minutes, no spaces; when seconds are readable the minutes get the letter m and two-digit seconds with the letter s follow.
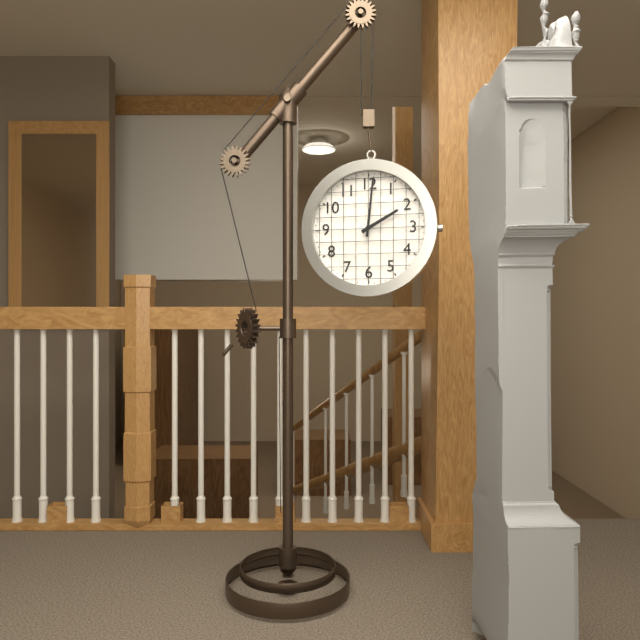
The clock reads 2h01
